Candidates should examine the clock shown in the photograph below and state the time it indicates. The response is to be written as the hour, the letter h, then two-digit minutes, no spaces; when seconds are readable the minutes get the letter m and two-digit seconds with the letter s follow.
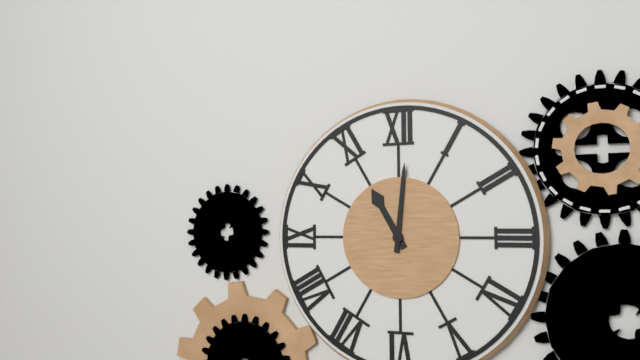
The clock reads 11h01
